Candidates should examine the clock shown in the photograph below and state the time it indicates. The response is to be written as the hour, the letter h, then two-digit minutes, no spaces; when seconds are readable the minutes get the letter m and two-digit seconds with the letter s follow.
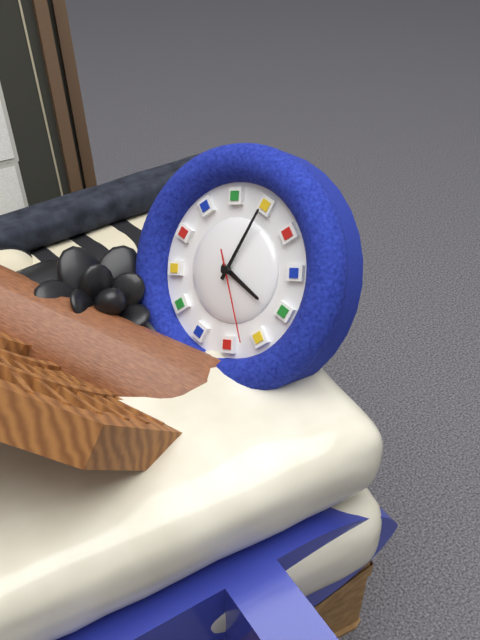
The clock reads 5h10m32s
